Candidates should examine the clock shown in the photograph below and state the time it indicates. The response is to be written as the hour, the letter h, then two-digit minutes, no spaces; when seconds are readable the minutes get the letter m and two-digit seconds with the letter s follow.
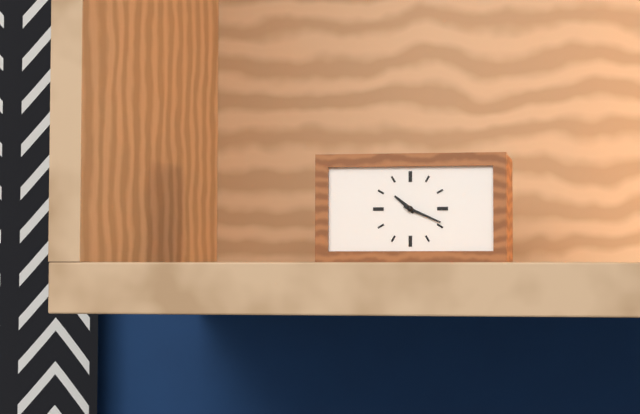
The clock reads 10h19
